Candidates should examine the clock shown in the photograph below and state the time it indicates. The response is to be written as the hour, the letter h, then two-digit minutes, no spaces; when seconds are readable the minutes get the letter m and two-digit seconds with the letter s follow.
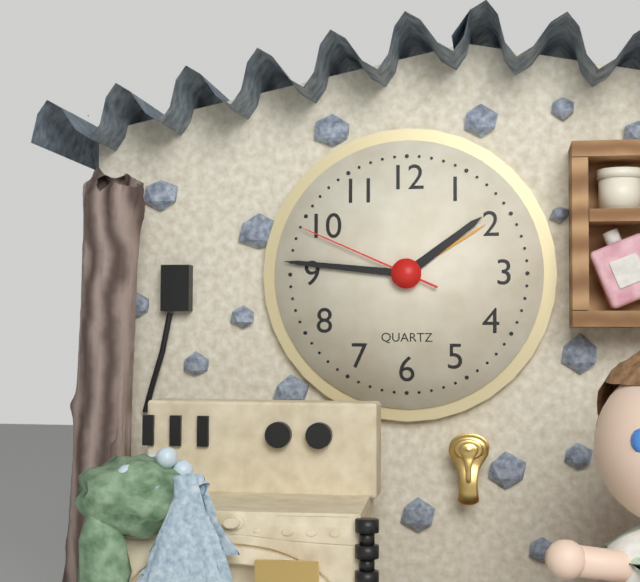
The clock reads 1h46m49s
